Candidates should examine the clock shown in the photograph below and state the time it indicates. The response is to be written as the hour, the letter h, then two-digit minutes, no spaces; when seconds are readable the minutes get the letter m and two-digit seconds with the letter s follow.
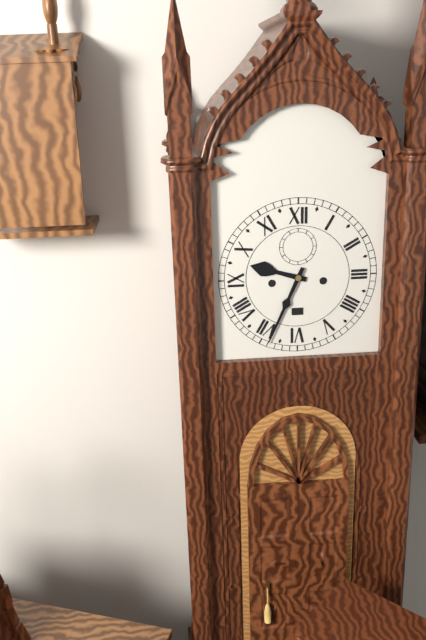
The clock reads 9h34
